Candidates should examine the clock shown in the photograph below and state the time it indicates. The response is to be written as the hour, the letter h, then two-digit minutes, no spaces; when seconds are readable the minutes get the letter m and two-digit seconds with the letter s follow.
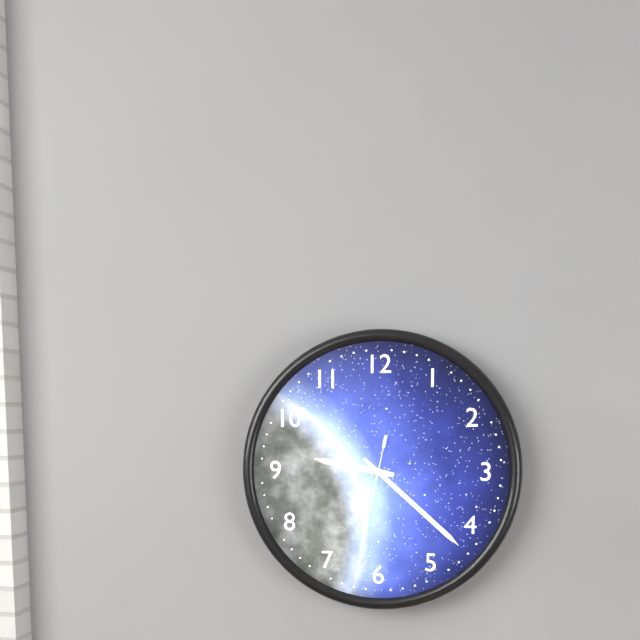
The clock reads 9h22m32s
